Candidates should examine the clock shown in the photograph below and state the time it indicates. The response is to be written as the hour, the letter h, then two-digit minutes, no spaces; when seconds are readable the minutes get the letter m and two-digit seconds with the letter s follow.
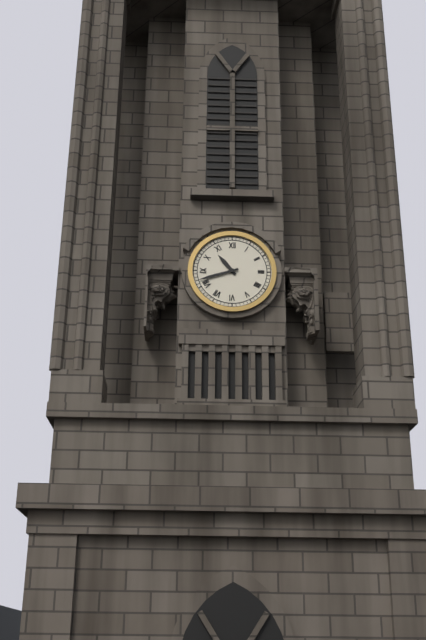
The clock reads 10h42
